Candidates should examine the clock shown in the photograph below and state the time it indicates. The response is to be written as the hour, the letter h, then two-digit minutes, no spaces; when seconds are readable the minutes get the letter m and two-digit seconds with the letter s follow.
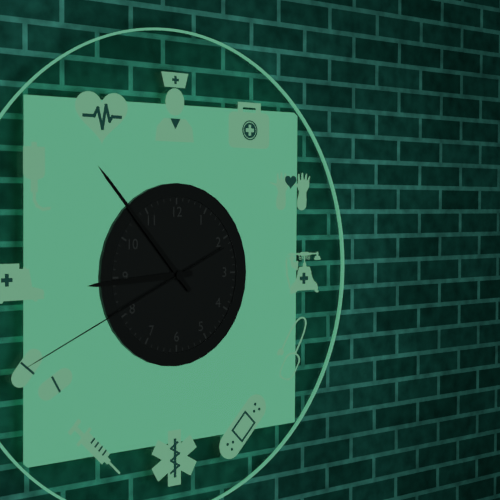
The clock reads 8h53m41s
